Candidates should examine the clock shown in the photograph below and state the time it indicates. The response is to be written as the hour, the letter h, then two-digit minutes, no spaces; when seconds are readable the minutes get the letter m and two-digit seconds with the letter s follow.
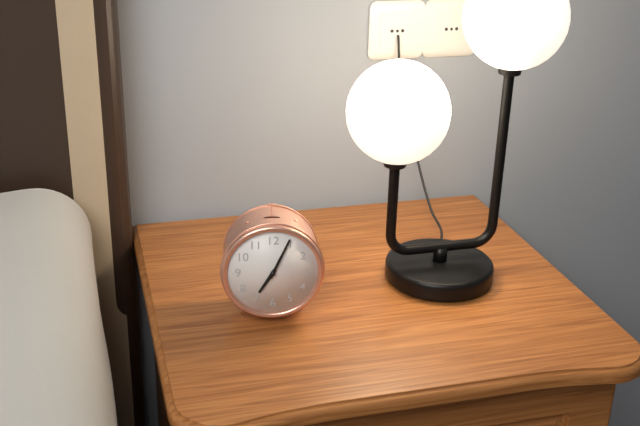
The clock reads 7h04
